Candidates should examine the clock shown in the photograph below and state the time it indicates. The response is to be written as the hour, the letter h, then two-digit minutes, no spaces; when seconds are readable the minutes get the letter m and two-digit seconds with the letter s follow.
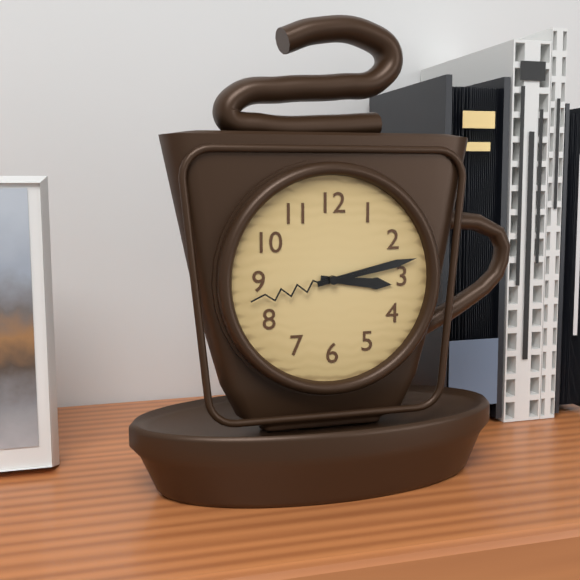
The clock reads 3h13m43s
